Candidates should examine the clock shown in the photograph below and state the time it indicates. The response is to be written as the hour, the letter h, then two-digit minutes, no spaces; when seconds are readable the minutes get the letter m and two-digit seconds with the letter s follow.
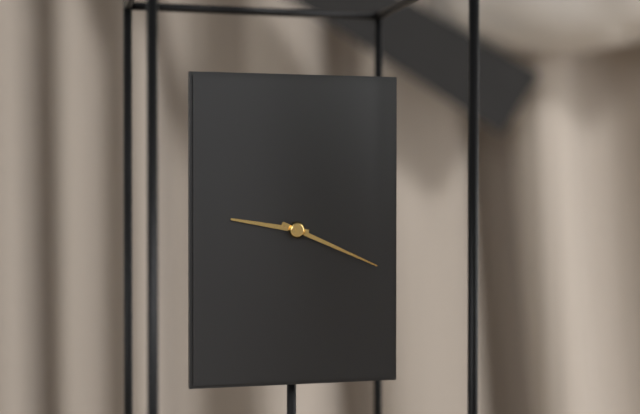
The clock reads 9h19
